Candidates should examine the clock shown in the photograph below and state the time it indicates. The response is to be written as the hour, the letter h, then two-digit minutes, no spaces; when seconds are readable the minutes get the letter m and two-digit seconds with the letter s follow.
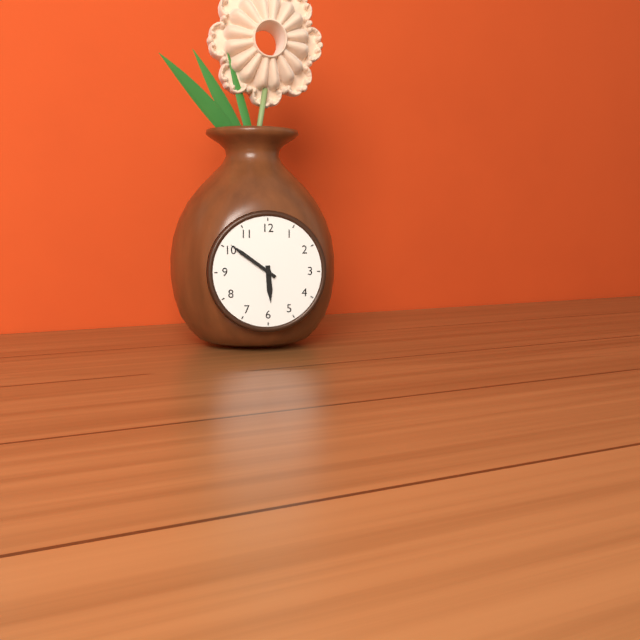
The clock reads 5h51
